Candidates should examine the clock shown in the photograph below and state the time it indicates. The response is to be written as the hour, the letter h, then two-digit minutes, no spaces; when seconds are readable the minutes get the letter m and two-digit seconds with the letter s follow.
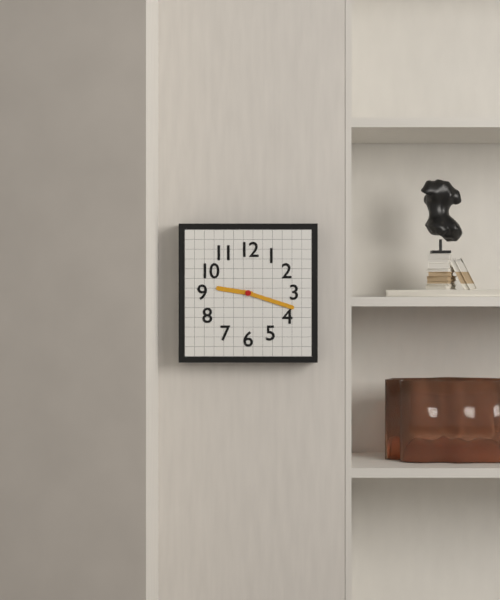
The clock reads 9h18
